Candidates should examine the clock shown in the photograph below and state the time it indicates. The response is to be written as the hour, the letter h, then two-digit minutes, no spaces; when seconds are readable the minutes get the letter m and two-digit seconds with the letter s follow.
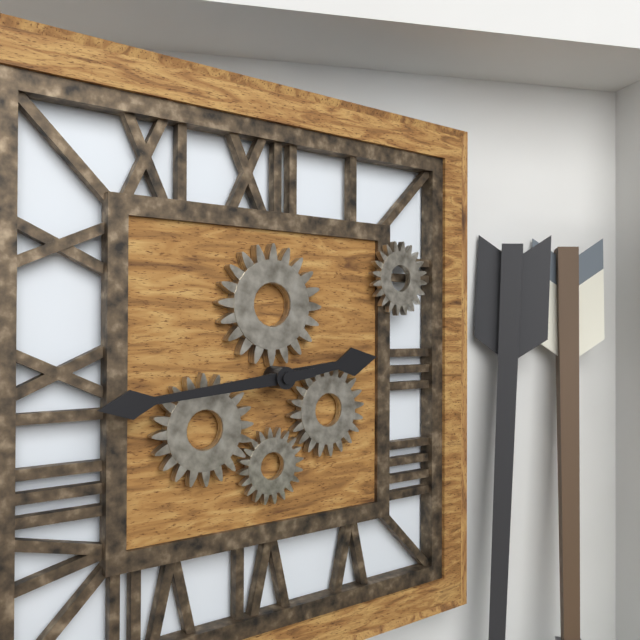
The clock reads 2h44
